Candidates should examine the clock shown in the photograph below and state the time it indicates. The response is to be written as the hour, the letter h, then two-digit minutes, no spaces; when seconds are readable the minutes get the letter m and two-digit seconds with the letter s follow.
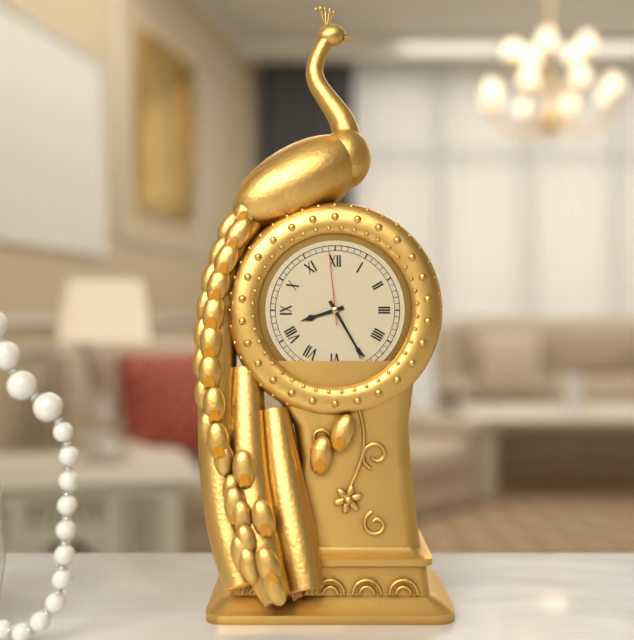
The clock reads 8h25m59s
